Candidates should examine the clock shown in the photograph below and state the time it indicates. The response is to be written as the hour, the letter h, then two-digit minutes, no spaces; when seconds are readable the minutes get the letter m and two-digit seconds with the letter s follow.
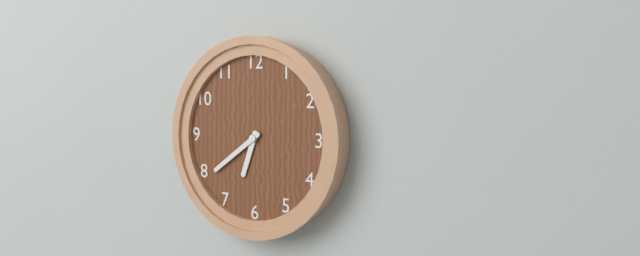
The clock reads 6h39
